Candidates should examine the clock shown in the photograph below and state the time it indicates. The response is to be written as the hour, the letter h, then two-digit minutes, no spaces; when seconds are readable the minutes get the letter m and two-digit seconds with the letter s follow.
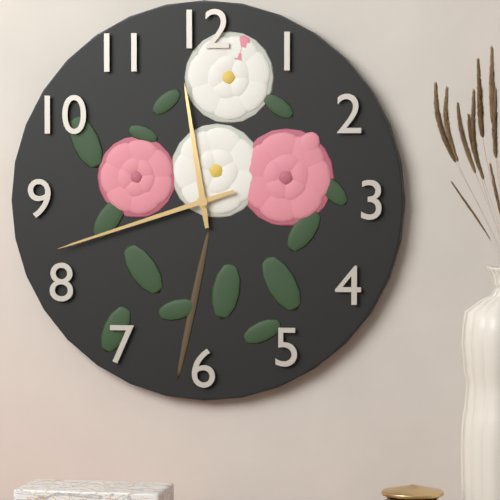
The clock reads 11h42
